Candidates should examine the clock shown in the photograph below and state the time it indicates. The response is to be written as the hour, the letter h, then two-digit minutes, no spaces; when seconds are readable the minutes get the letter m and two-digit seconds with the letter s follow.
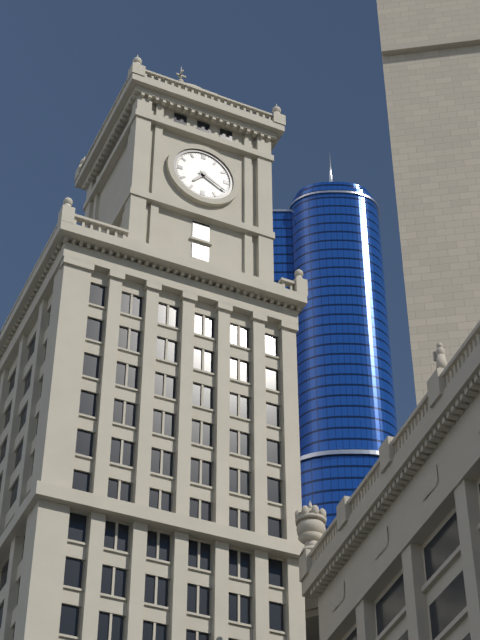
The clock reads 7h20
